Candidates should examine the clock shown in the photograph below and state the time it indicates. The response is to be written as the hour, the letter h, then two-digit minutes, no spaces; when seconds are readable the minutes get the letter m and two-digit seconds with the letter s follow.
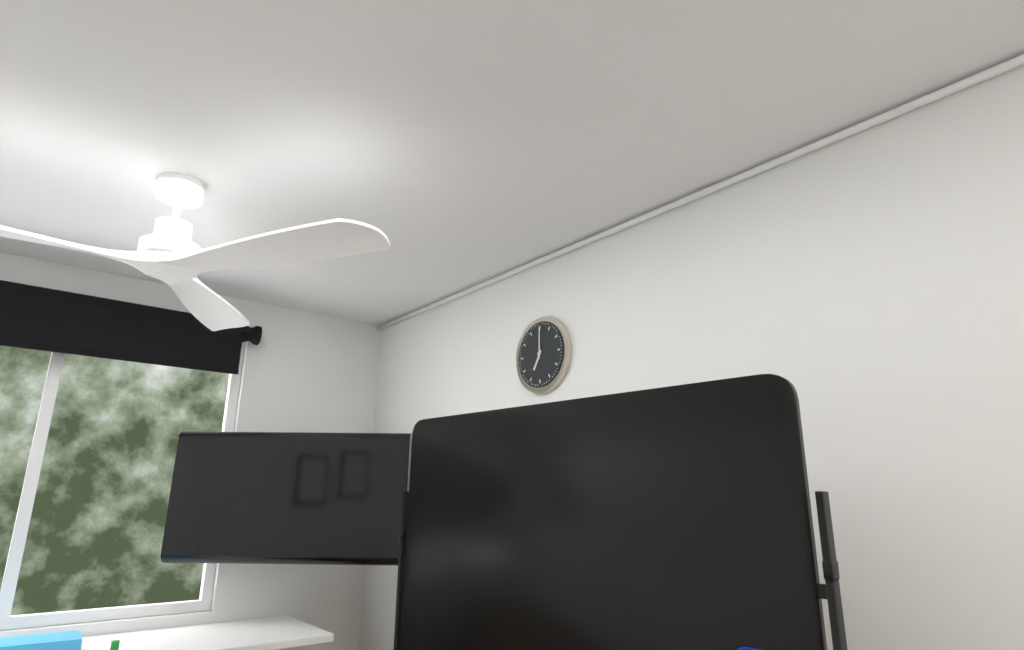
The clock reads 7h00
